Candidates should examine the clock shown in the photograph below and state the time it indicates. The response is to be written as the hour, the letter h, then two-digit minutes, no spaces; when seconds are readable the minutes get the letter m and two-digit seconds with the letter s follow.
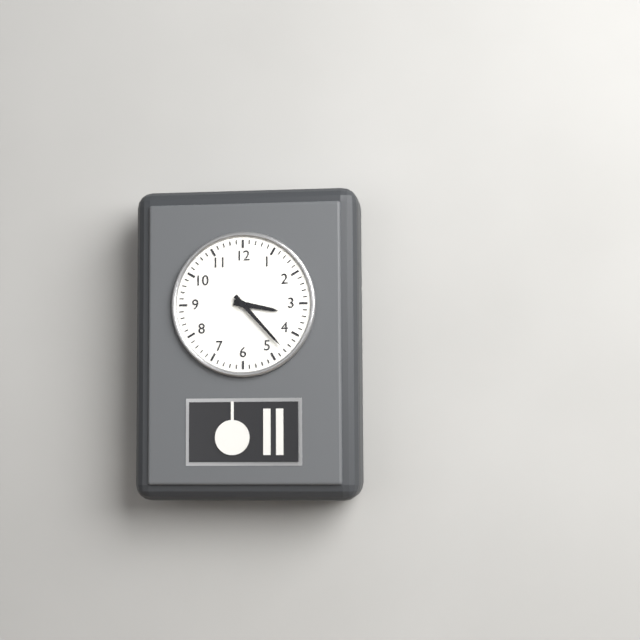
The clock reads 3h23
